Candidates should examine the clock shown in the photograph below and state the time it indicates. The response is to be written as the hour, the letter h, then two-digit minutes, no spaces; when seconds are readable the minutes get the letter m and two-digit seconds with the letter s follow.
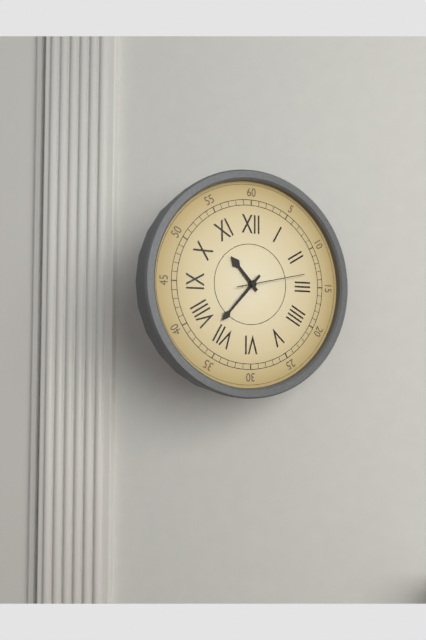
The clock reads 10h37m13s
